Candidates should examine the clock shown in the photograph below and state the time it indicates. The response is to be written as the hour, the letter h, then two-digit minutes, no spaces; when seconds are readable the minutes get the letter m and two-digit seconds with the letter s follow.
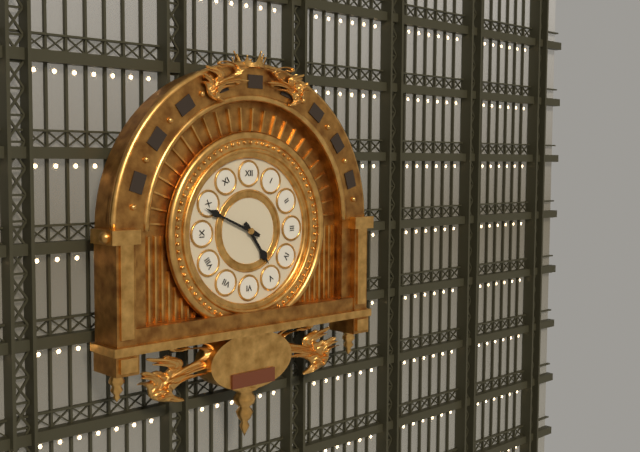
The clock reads 4h49
